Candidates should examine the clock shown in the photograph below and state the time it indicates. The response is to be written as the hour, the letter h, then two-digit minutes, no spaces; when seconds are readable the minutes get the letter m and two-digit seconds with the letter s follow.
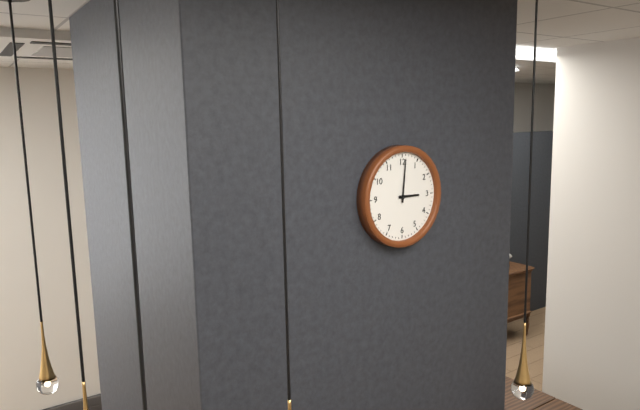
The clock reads 3h01
